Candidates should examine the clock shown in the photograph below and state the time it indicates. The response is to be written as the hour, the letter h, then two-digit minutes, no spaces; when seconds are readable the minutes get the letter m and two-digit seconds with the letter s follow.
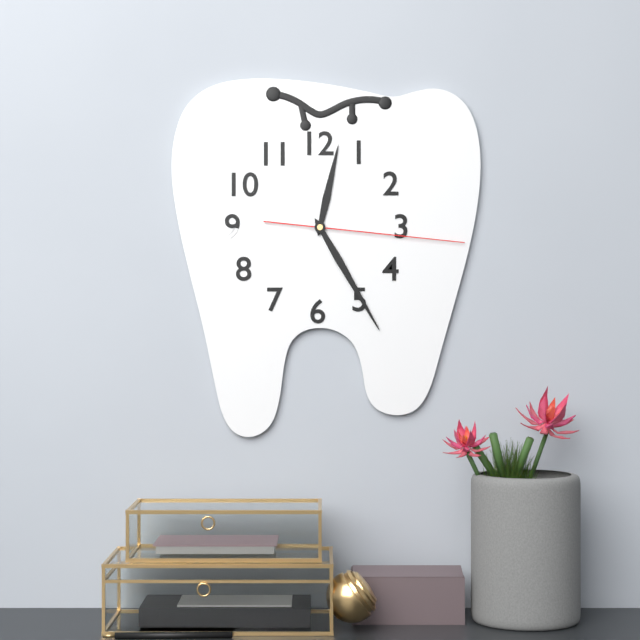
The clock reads 12h25m16s
